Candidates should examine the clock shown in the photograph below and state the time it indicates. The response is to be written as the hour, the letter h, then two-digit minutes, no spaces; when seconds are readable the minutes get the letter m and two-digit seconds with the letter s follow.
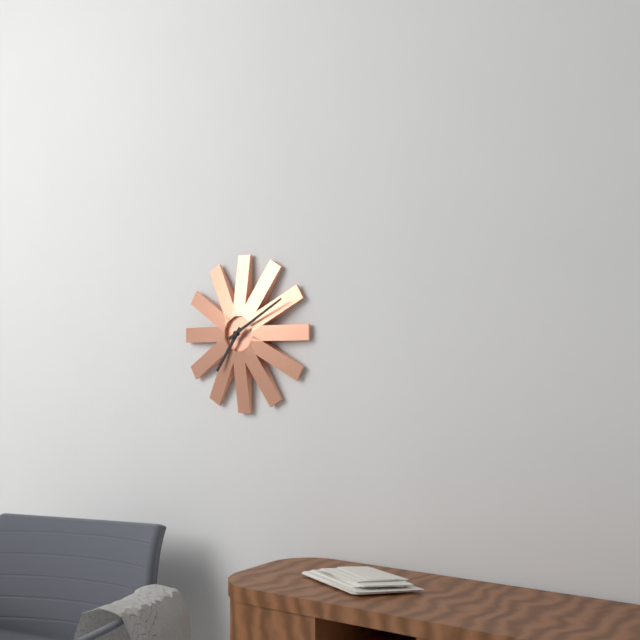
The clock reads 7h10
